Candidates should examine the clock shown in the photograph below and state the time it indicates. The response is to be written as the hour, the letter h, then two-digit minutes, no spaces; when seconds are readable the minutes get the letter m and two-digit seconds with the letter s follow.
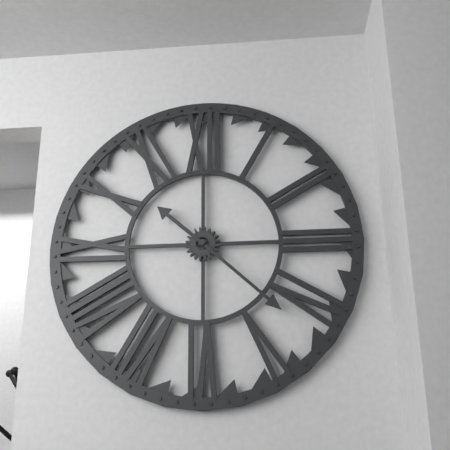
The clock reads 10h22
